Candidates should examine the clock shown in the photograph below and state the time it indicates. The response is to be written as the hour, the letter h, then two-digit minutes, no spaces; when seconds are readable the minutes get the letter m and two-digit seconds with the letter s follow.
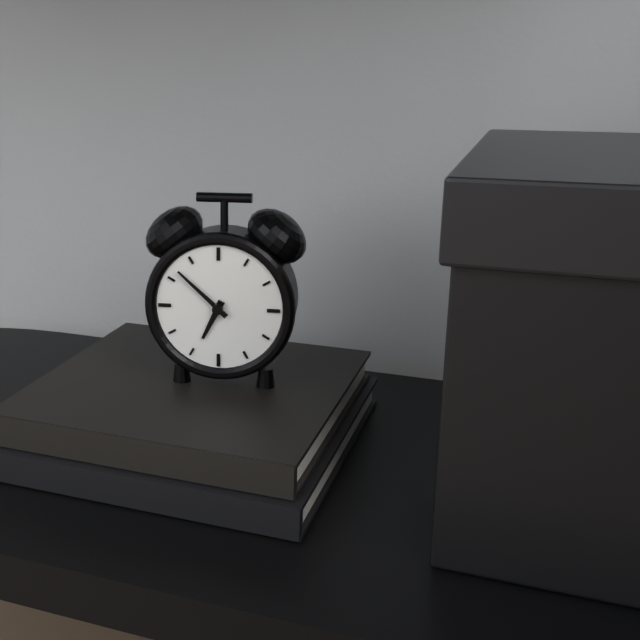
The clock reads 6h52
